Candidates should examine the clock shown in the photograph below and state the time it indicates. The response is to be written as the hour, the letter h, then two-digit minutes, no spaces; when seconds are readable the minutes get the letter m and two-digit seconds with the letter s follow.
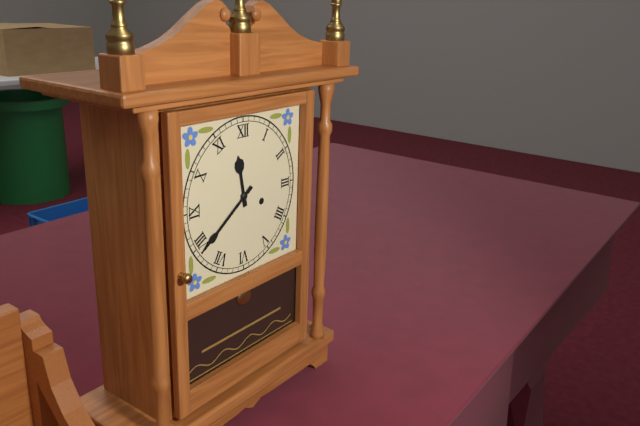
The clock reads 11h39
